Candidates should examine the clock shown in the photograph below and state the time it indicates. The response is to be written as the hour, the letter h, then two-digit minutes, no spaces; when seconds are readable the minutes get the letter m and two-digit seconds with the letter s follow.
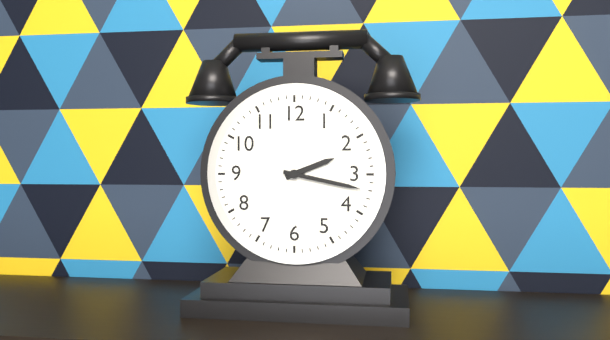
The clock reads 2h17
